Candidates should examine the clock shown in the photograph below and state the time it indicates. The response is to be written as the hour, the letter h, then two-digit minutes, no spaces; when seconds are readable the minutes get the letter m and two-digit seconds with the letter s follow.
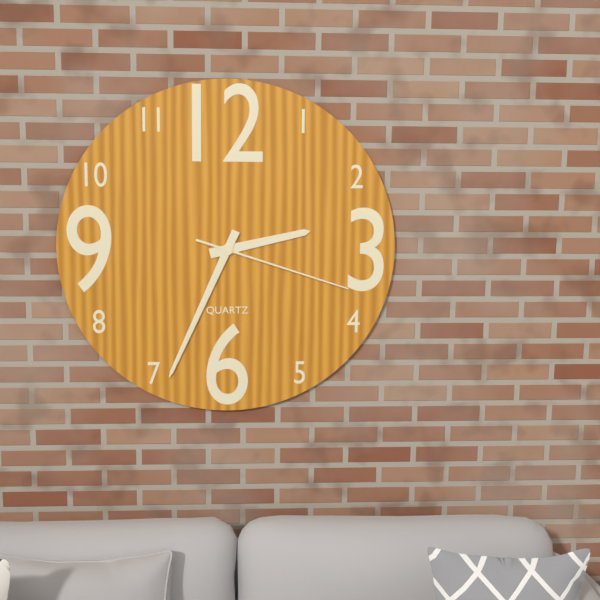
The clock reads 2h34m18s
